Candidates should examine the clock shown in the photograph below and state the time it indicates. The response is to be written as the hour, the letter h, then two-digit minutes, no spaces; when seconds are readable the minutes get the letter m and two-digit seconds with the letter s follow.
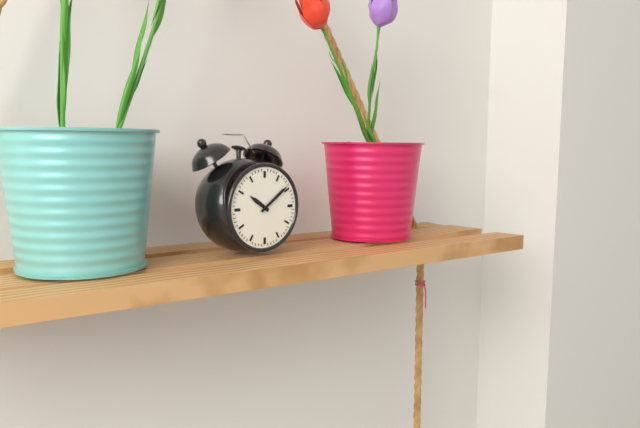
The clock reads 10h09
